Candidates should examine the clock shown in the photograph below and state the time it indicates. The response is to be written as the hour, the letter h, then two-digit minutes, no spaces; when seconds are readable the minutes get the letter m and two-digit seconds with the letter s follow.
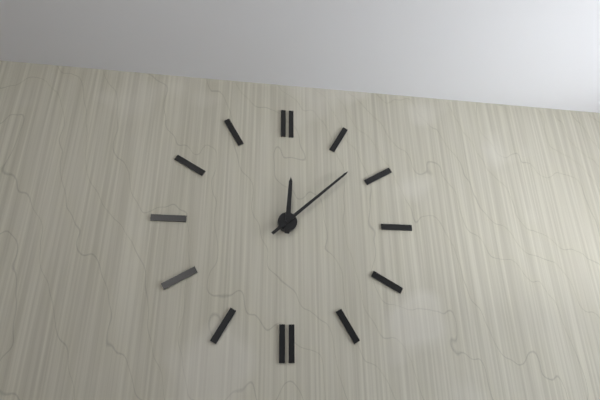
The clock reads 12h08
